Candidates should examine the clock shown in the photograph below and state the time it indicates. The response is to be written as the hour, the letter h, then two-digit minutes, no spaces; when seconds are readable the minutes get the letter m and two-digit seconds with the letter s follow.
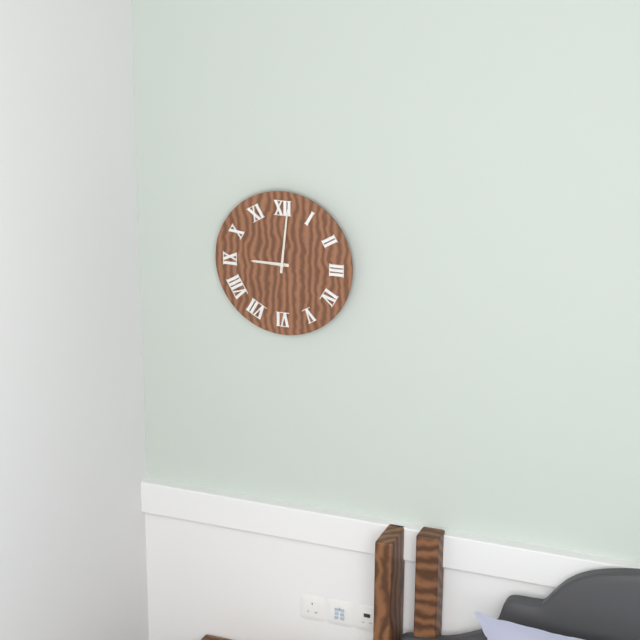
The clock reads 9h01
